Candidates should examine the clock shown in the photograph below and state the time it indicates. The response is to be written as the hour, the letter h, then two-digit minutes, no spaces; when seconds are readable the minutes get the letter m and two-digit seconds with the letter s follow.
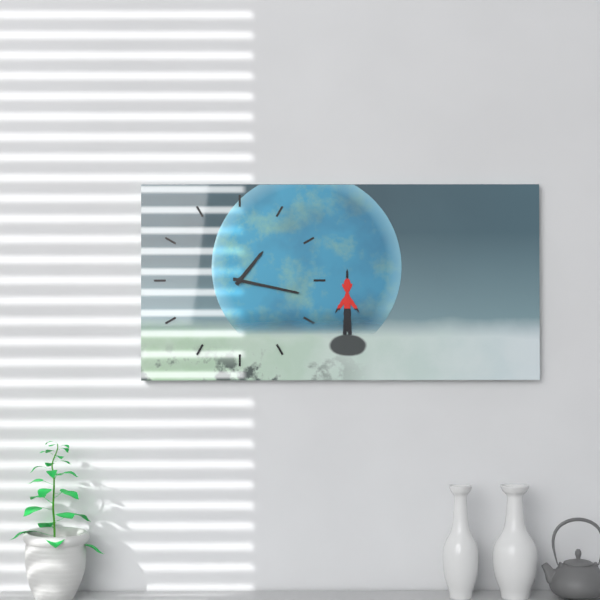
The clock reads 1h17
